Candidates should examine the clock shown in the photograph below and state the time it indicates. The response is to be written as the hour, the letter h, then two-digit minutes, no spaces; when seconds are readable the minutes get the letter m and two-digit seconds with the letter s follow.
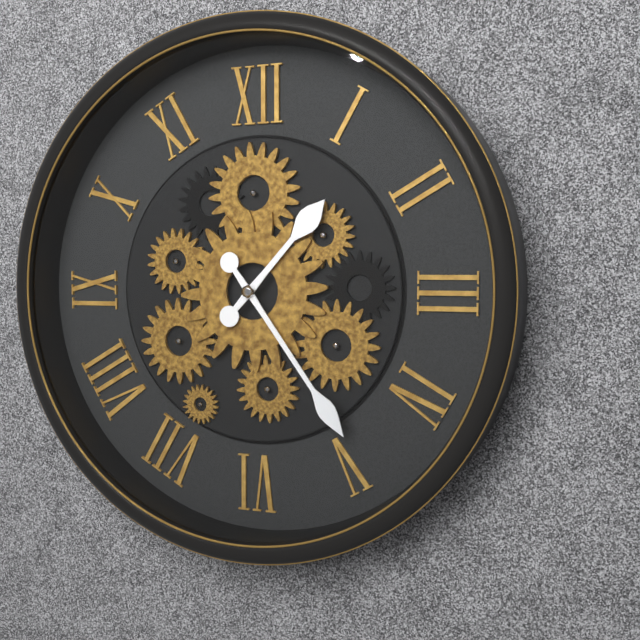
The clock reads 1h24
